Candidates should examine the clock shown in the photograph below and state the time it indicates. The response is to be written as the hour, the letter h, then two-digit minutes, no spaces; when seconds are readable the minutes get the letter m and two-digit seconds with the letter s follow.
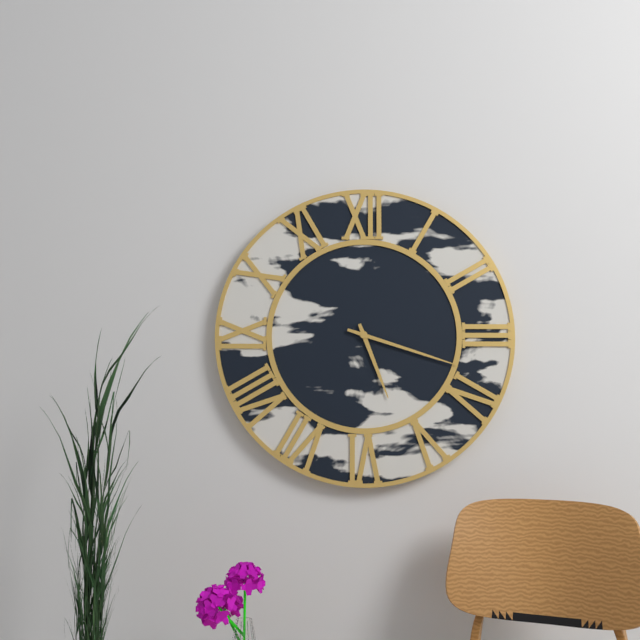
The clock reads 5h18
